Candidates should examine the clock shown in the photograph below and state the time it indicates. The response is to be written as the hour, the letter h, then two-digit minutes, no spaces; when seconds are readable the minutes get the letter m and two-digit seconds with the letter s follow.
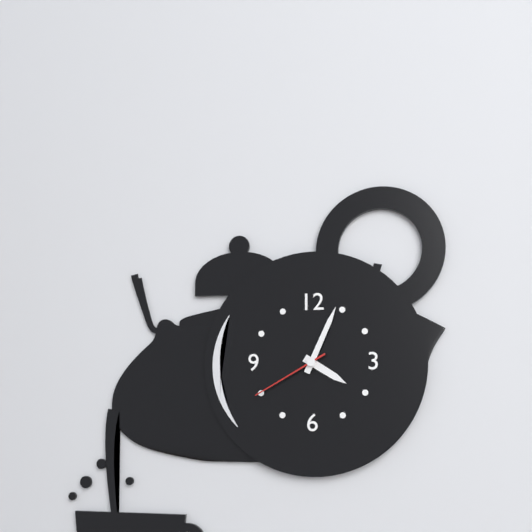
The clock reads 4h04m40s
